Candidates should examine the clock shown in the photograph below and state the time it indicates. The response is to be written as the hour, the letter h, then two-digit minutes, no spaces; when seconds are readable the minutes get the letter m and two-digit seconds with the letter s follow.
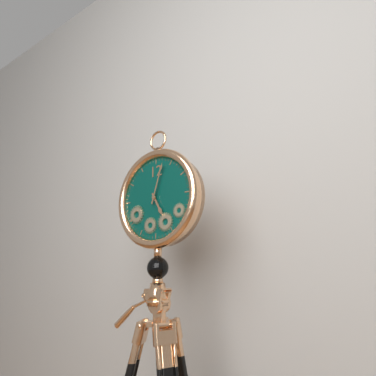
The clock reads 5h03
